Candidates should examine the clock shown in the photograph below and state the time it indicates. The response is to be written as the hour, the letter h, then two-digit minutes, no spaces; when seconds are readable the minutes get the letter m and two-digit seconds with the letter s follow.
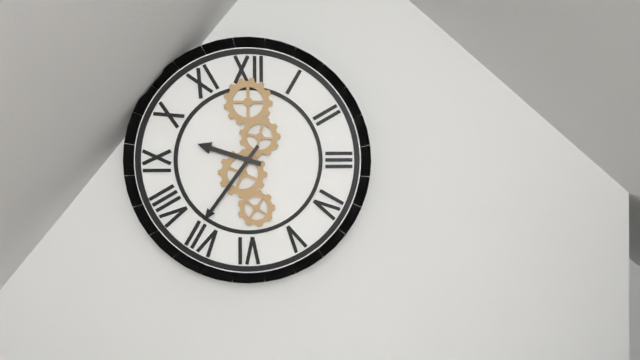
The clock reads 9h36
